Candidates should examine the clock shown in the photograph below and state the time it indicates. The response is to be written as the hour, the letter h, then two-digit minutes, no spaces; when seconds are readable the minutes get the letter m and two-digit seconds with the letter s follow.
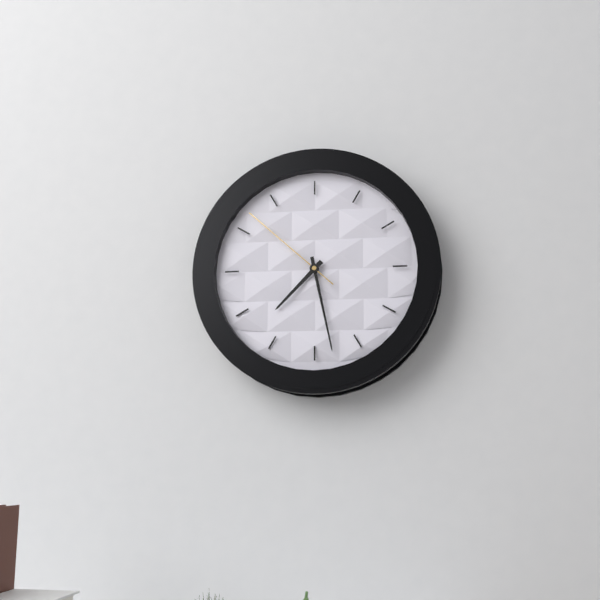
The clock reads 7h28m52s
